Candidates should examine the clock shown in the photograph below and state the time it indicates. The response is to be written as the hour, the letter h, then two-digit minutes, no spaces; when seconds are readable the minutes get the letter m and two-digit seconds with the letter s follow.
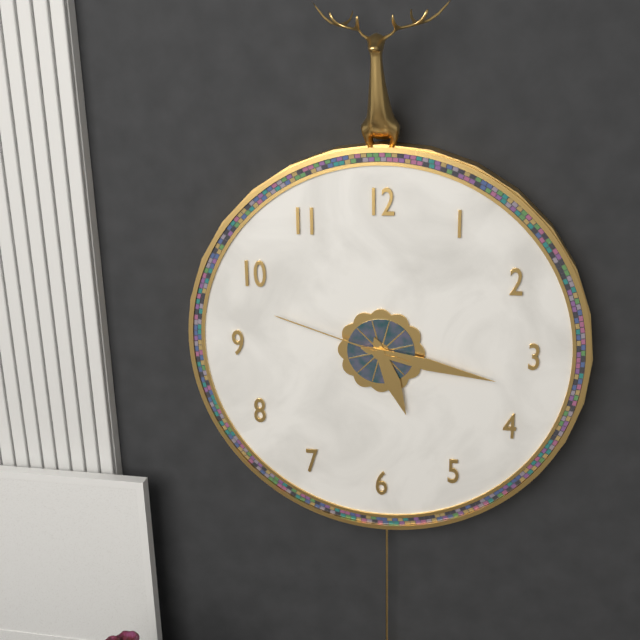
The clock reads 5h17m48s
